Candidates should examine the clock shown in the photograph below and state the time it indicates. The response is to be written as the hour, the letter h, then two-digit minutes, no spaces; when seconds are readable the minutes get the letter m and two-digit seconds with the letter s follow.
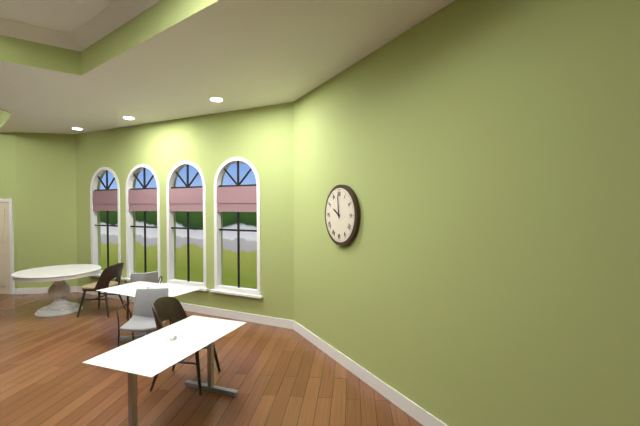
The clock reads 9h59
